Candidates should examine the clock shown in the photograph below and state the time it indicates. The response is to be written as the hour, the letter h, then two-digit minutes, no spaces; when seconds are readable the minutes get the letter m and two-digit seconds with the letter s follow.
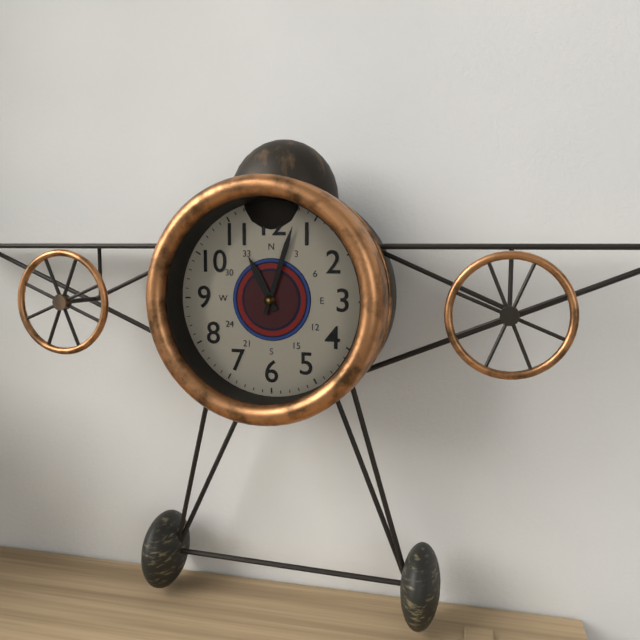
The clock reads 11h03
